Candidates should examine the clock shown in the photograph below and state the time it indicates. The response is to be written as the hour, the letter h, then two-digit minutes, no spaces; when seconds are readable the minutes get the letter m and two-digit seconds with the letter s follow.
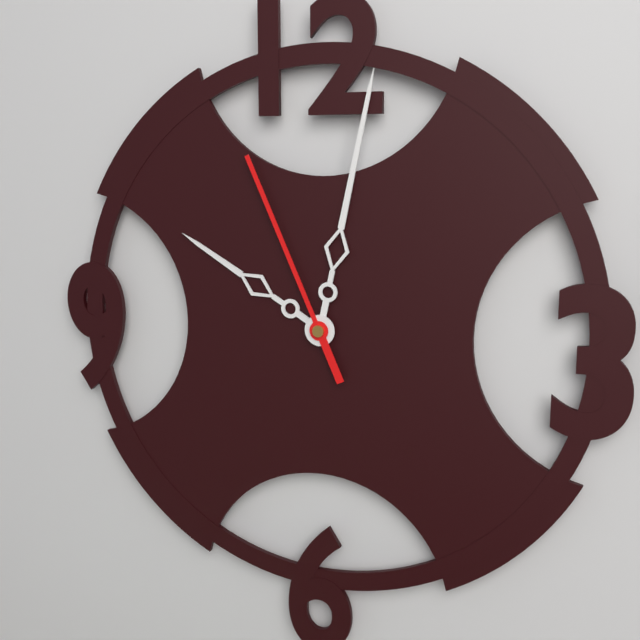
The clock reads 10h02m56s
